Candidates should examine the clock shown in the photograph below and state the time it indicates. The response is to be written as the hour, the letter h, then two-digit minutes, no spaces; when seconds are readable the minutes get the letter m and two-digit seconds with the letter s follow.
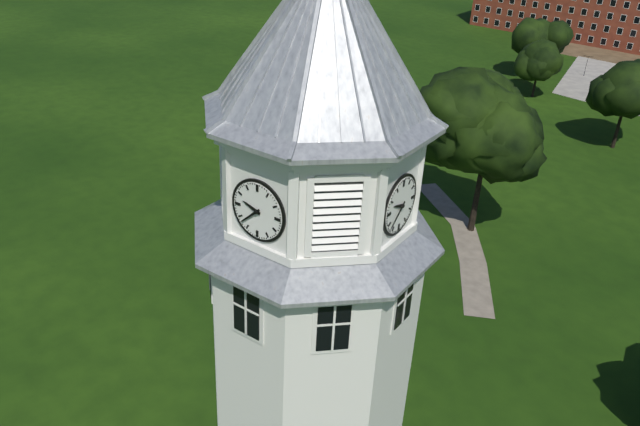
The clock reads 9h38
